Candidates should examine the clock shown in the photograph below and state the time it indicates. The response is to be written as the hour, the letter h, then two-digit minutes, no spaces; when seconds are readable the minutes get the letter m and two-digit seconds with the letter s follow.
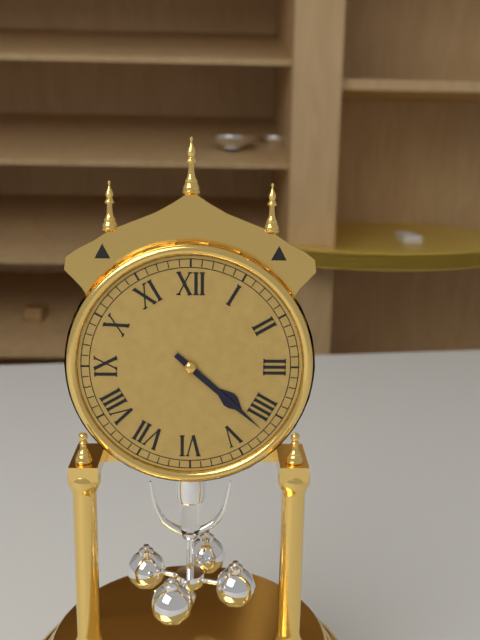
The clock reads 4h22
